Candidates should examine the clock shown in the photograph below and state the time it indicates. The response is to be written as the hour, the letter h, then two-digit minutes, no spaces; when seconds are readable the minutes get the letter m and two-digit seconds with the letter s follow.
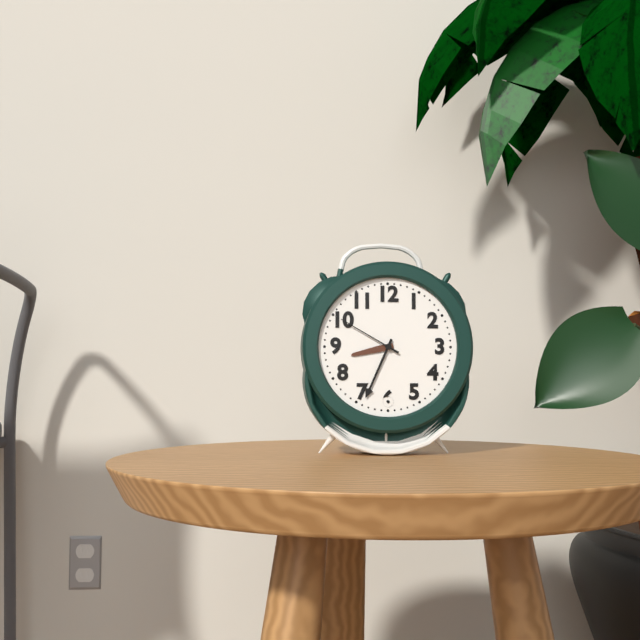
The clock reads 8h34m50s
